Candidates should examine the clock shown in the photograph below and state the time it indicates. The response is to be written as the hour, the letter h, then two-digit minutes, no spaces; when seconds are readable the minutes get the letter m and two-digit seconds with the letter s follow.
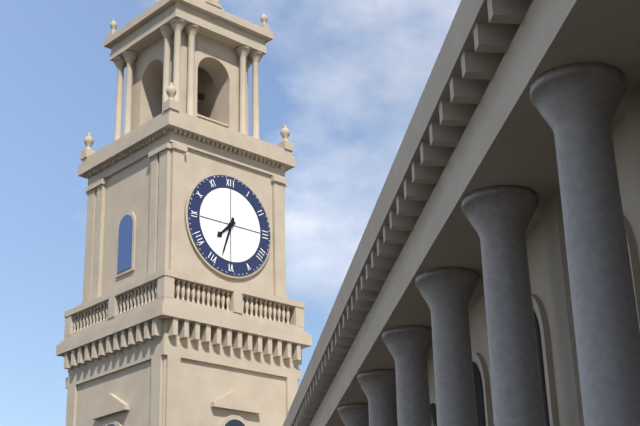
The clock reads 7h33
